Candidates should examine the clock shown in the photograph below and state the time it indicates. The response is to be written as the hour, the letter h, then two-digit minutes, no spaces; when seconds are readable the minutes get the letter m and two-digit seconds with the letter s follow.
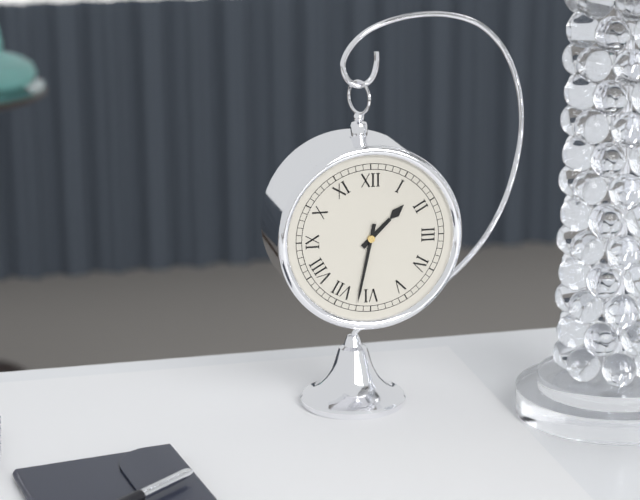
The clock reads 1h32
